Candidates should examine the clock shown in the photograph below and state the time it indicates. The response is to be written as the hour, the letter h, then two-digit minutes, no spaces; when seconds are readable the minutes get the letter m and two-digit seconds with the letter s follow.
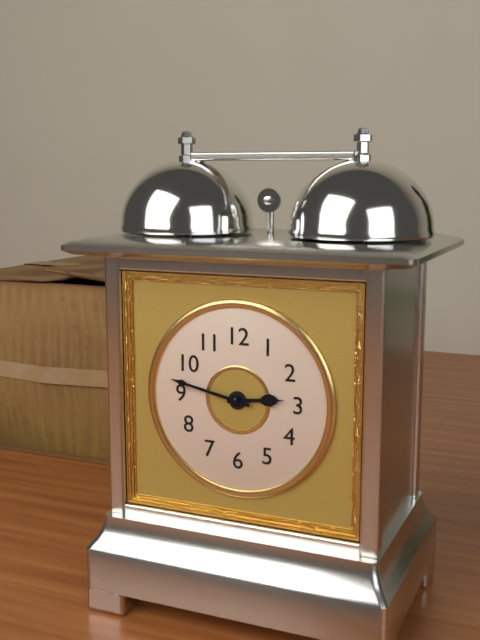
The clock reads 2h47
